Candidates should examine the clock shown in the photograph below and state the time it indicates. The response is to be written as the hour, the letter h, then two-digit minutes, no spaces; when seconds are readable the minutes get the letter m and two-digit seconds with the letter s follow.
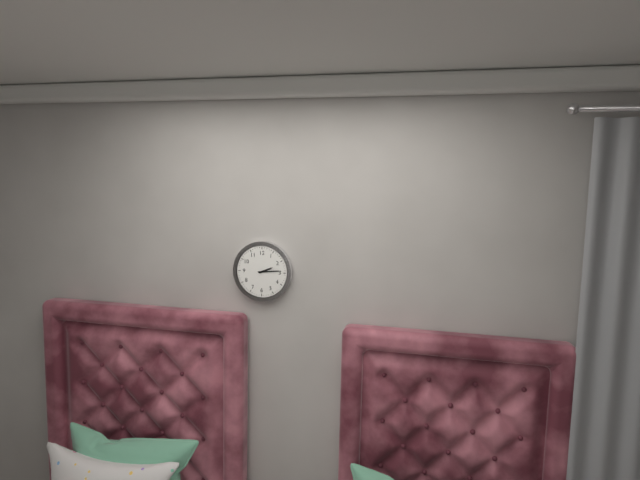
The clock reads 2h14
